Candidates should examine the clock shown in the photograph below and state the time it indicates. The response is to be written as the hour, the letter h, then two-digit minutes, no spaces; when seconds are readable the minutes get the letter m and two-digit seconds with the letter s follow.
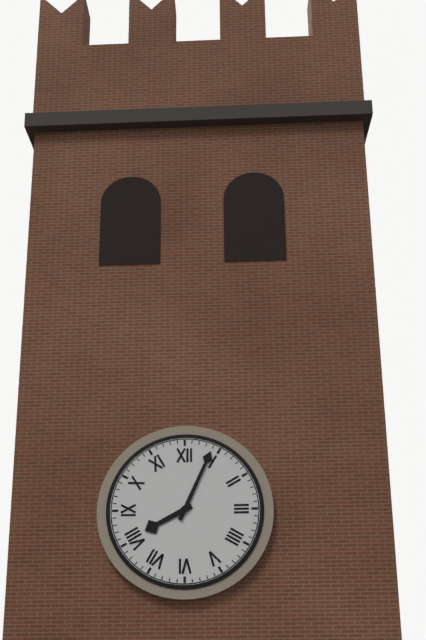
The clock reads 8h04
